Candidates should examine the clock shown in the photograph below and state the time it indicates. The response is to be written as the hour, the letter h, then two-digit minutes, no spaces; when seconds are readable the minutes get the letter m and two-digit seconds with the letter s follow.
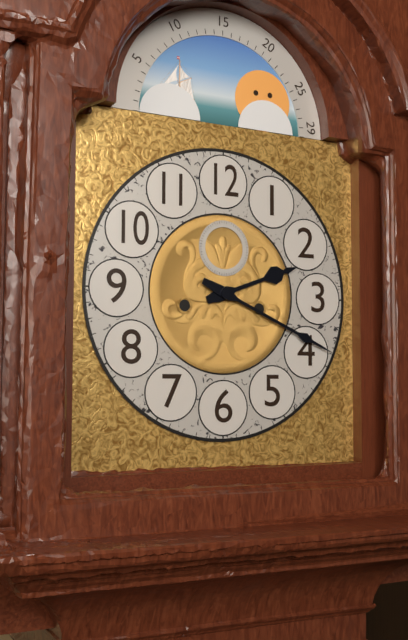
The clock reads 2h19
